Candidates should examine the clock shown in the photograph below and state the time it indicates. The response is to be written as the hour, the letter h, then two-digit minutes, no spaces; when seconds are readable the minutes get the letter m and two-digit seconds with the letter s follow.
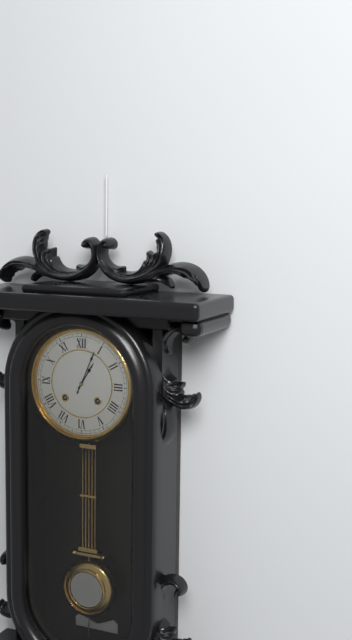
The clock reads 1h04
